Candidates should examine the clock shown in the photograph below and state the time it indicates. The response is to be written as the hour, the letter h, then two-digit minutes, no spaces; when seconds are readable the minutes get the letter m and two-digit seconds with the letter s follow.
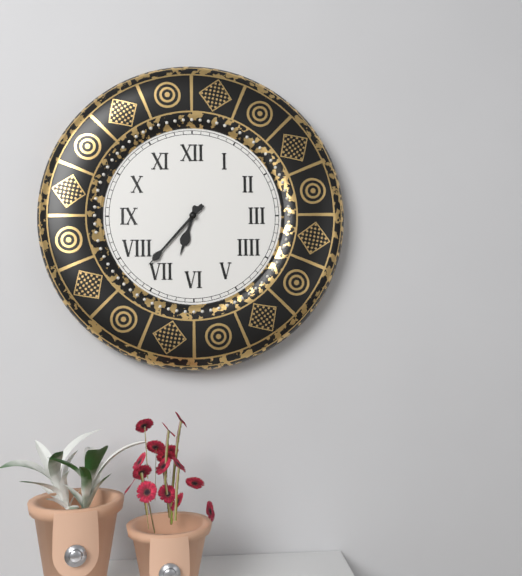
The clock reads 6h37
